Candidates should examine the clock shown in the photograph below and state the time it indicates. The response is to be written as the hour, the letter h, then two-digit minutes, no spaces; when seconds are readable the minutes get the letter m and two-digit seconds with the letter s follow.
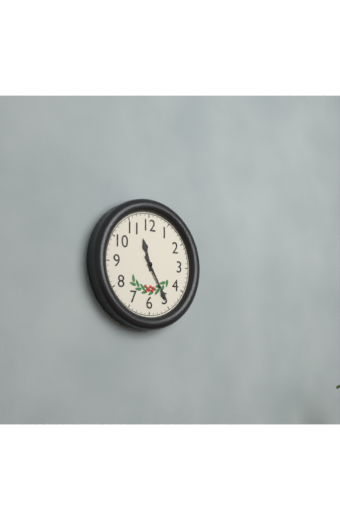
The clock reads 11h25
